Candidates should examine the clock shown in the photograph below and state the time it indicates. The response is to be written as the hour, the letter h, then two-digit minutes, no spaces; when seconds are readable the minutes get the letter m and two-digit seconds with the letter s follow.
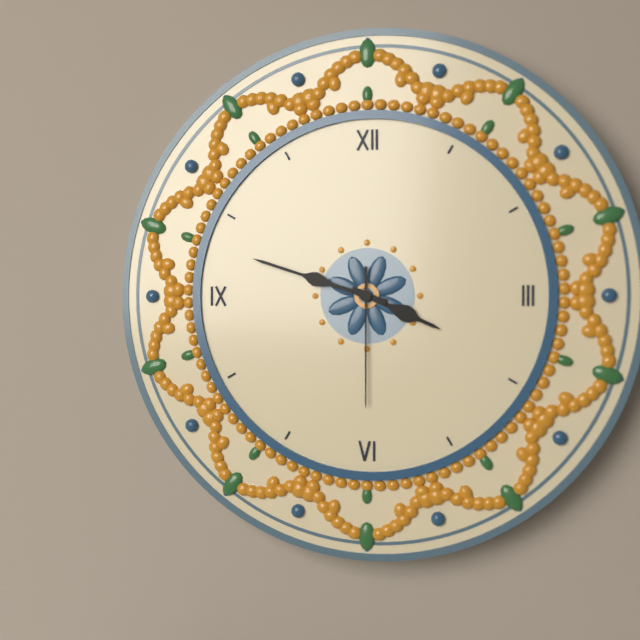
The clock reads 3h48m30s
